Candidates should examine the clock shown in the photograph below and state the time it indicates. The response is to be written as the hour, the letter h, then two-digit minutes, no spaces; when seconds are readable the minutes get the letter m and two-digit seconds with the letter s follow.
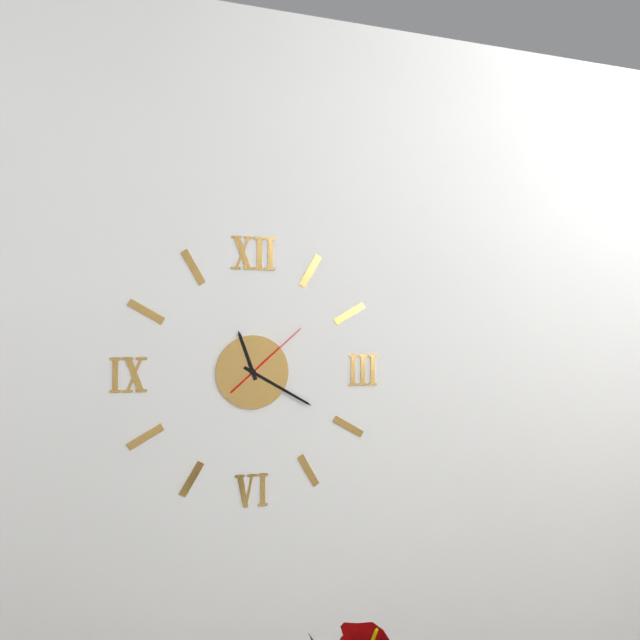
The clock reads 11h20m08s
